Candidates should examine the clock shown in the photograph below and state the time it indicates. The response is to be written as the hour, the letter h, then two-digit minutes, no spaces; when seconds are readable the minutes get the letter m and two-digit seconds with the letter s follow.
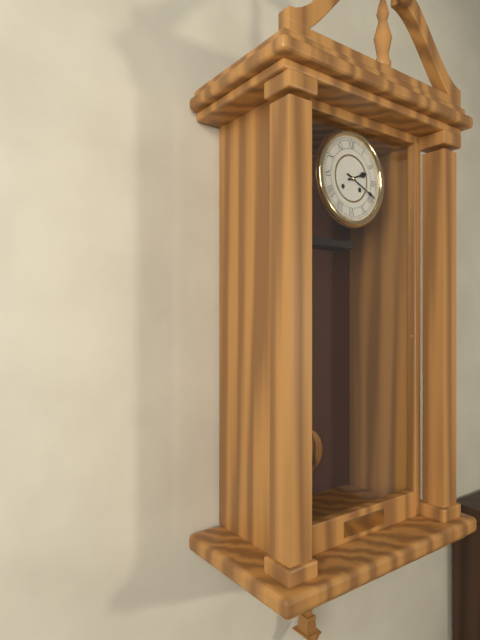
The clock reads 2h19
